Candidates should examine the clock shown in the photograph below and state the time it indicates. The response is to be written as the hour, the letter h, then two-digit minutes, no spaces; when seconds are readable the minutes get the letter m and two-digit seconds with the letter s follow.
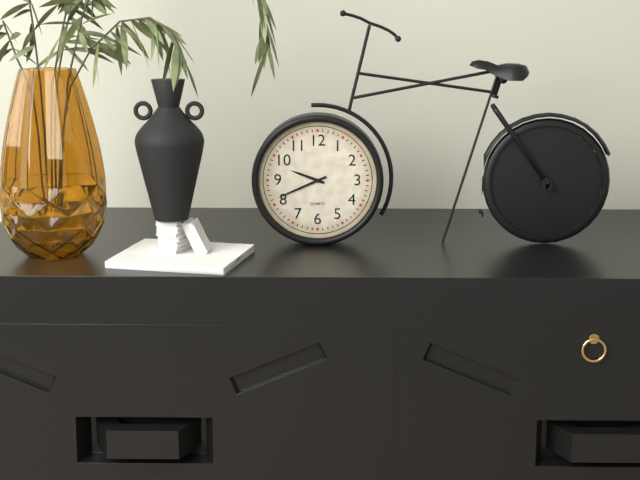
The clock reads 9h41
